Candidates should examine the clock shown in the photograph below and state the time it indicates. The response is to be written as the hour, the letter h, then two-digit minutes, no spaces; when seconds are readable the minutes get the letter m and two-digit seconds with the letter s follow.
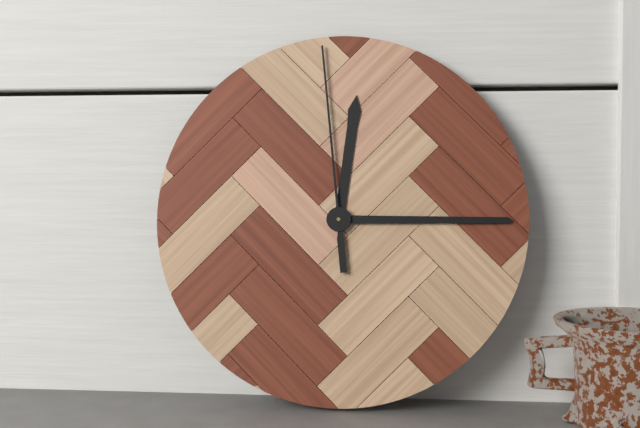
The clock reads 12h15m59s
